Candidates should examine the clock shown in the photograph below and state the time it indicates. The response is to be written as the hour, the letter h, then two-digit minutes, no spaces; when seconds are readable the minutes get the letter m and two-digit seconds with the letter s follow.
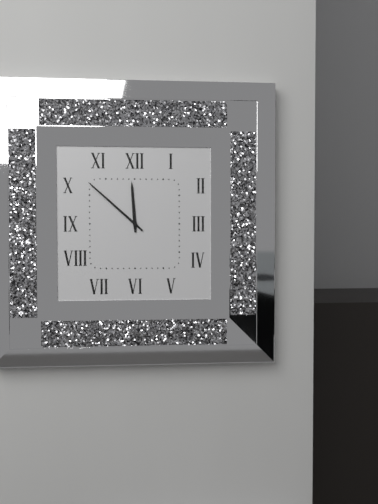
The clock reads 11h52
